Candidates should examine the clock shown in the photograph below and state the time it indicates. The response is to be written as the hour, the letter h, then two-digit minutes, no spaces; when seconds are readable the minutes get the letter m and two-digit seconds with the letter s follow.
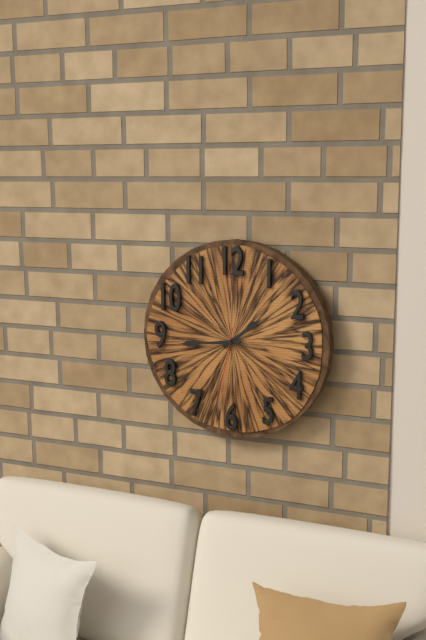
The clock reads 1h44m32s
